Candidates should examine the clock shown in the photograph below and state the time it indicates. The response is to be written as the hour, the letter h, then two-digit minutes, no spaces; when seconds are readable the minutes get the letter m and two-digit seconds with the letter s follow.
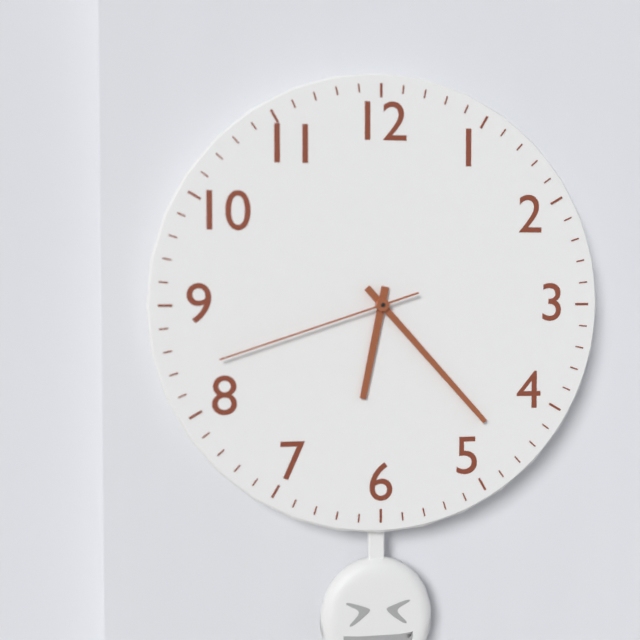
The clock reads 6h23m42s
